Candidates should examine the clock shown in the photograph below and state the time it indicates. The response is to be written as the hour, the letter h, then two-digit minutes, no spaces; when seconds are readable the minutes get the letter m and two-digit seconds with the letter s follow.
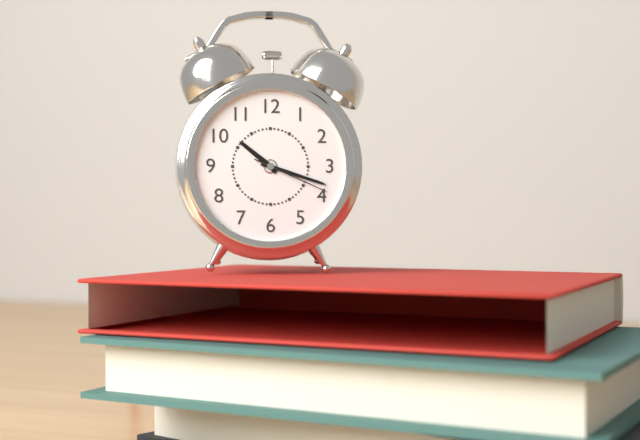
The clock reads 10h18m19s
